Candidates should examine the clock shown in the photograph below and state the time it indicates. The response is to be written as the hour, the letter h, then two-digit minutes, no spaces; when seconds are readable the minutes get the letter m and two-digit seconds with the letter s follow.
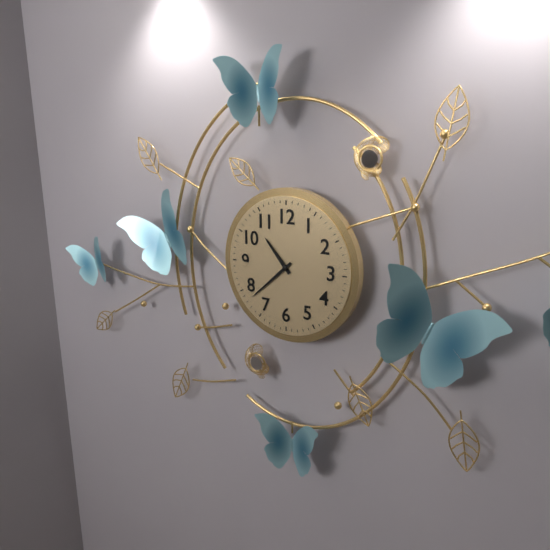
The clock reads 10h38
